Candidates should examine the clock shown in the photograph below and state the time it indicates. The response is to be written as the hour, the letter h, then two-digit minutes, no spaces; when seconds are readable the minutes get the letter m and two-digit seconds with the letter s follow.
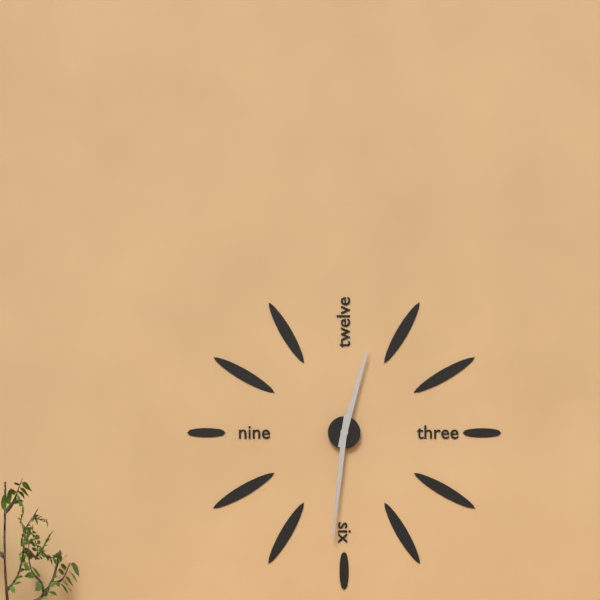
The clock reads 12h31
